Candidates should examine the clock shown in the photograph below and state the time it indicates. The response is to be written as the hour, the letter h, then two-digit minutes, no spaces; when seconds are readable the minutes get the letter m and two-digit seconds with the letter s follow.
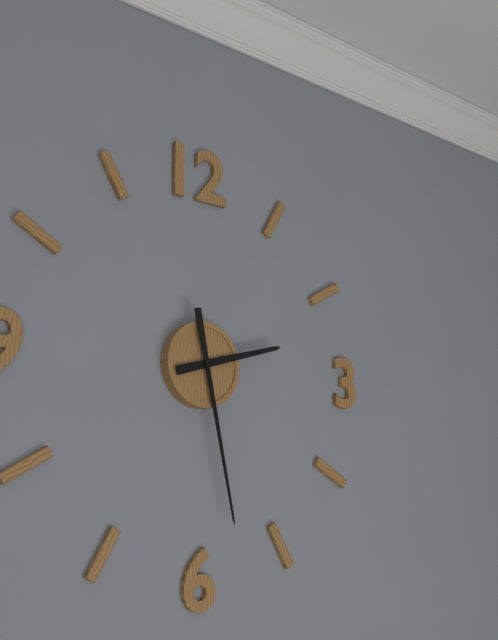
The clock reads 2h28
